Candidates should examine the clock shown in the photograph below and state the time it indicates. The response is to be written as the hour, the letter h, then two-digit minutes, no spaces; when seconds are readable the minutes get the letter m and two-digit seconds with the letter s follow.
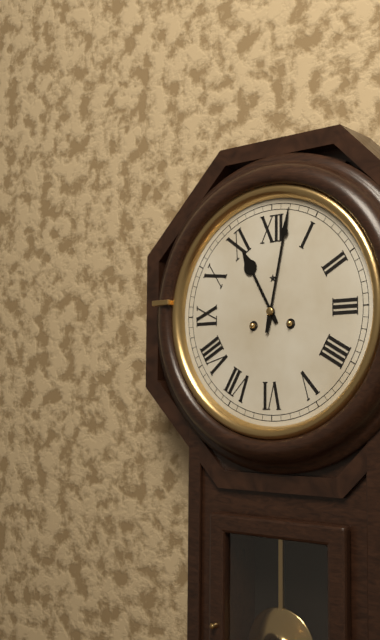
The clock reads 11h02
